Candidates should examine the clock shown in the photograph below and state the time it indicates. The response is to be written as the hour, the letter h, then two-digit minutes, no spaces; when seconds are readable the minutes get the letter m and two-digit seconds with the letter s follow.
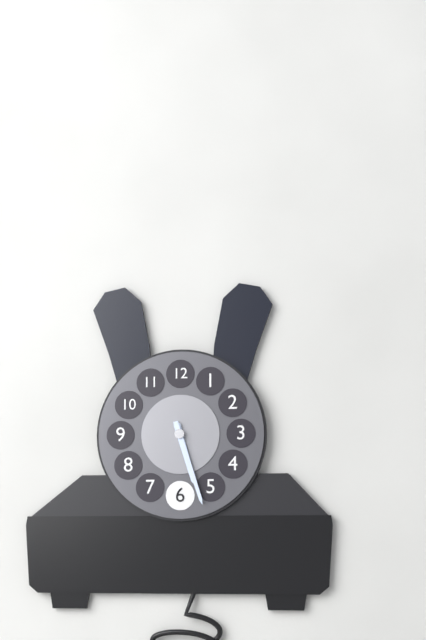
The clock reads 5h27
